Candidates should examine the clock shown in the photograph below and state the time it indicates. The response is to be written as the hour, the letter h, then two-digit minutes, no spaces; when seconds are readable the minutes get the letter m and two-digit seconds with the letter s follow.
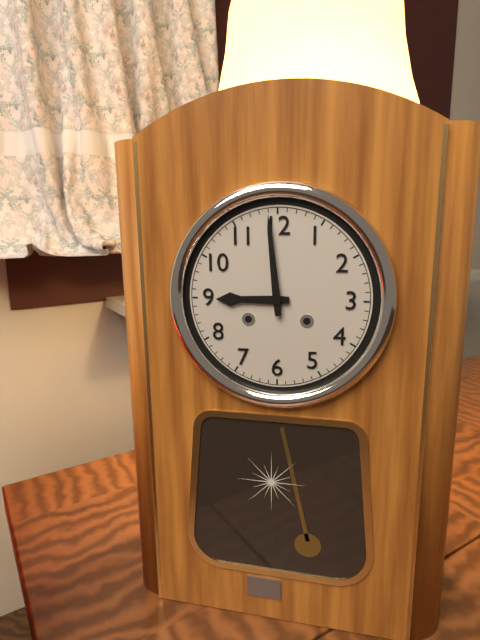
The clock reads 8h59
